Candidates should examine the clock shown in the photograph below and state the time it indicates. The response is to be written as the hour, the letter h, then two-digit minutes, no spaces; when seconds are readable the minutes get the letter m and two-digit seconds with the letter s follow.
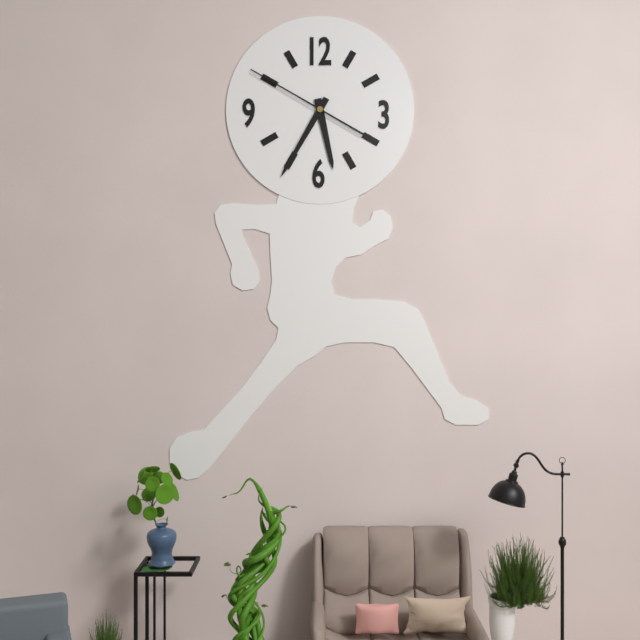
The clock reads 5h35m50s
